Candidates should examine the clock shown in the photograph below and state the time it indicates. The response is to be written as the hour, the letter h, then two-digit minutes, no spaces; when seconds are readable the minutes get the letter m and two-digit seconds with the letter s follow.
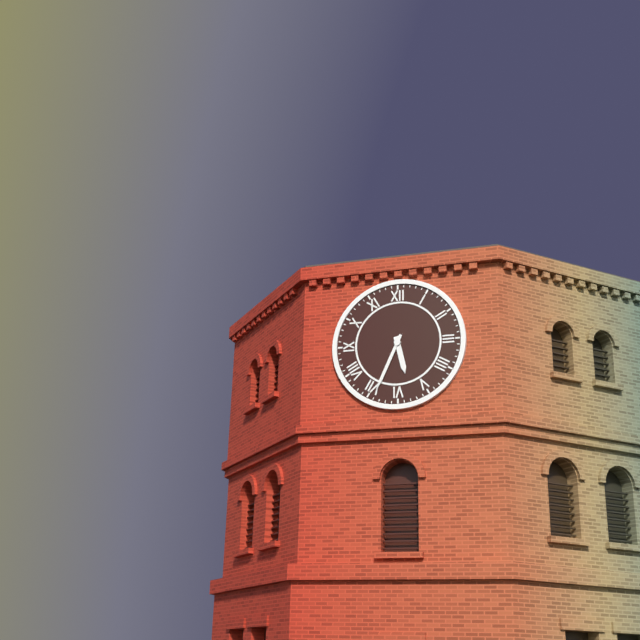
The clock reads 5h34
